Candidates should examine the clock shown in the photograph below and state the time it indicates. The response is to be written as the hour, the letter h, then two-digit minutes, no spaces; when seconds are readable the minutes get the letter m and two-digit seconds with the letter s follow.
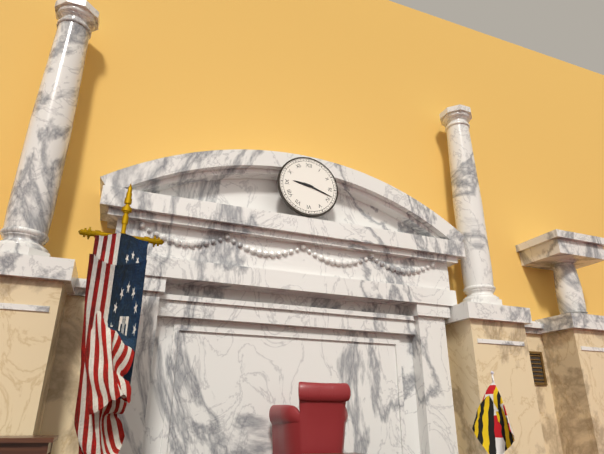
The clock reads 9h18
